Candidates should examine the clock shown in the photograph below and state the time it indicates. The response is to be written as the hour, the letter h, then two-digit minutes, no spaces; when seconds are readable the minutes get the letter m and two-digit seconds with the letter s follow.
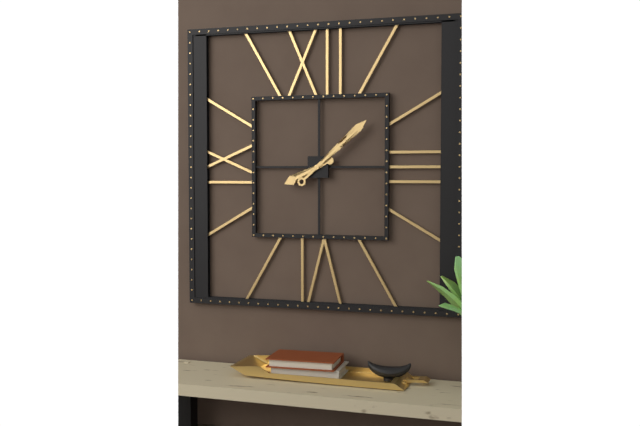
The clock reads 8h08
